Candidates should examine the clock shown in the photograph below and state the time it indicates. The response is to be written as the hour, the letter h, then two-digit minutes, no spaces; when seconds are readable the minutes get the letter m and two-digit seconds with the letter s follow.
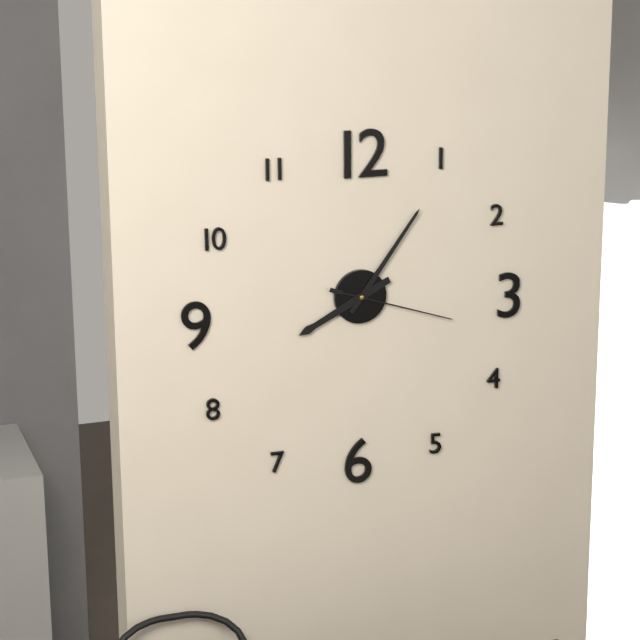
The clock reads 8h06m18s
